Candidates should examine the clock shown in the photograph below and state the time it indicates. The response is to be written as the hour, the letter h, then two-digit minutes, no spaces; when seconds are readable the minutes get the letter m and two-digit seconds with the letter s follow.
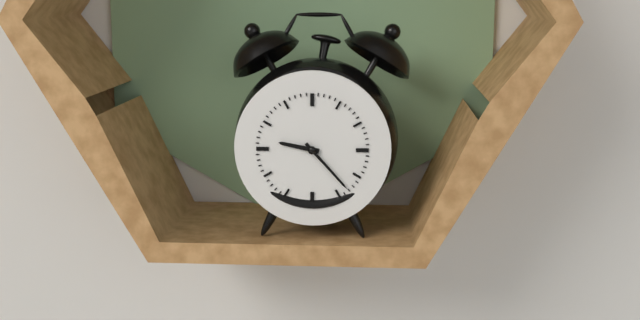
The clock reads 9h23
